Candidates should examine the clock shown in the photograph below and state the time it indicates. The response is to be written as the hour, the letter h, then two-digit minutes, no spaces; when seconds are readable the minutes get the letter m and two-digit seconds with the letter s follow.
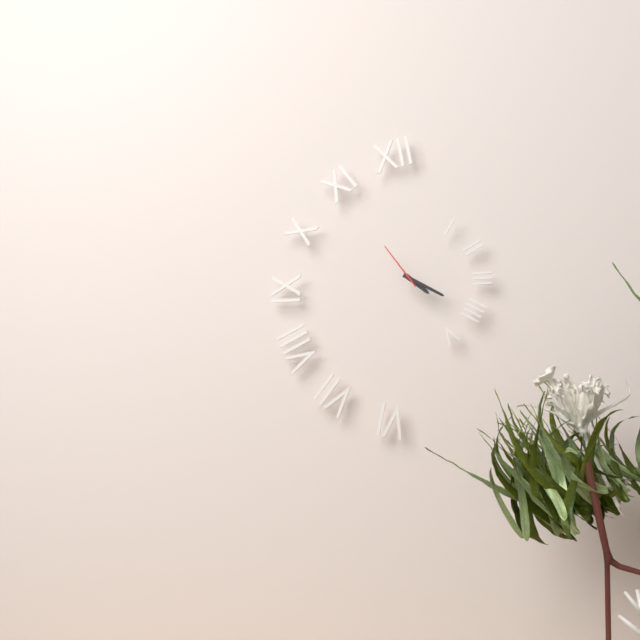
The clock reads 4h20m54s
